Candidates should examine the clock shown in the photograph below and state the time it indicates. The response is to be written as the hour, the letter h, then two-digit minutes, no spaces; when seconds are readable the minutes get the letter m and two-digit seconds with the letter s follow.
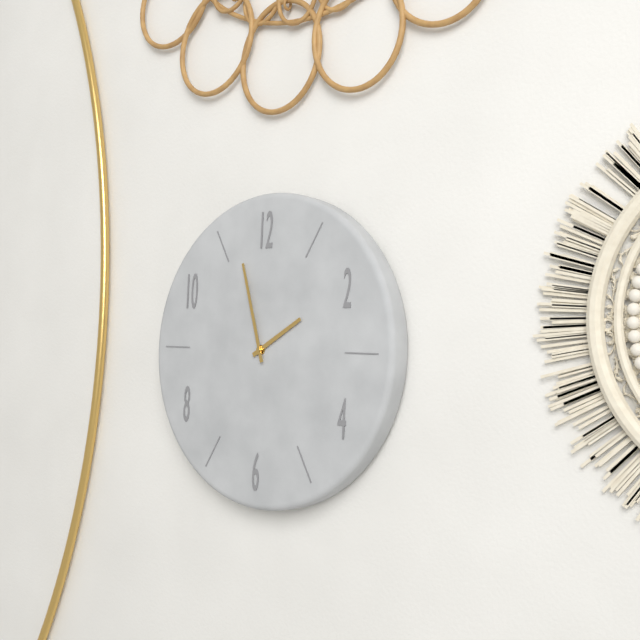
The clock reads 1h57
